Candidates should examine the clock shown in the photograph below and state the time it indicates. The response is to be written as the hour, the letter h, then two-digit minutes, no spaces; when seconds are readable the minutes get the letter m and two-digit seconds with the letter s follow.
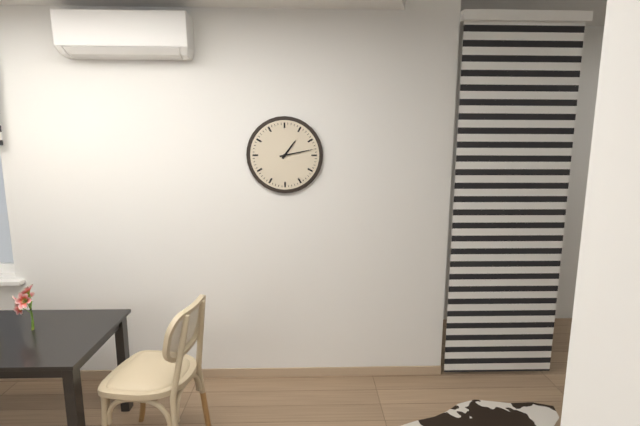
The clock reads 1h13
